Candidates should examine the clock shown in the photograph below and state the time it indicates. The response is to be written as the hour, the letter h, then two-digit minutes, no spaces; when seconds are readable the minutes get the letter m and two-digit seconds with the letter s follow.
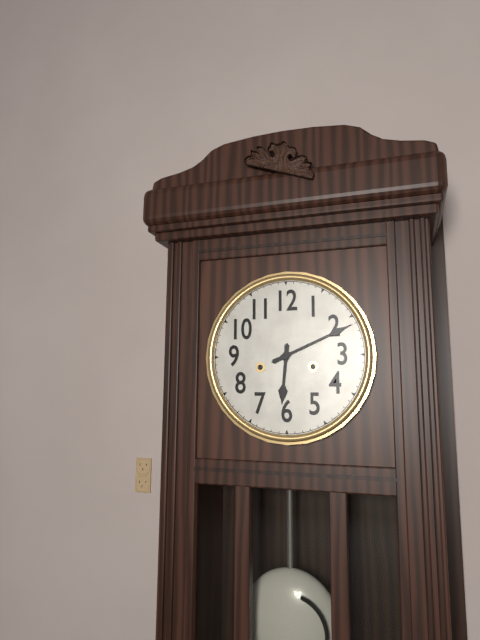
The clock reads 6h11
